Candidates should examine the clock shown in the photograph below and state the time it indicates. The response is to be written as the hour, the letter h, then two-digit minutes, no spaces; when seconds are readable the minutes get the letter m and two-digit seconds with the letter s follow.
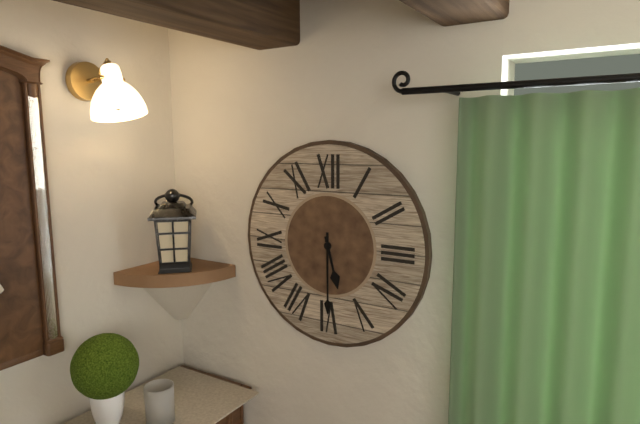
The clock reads 5h30
